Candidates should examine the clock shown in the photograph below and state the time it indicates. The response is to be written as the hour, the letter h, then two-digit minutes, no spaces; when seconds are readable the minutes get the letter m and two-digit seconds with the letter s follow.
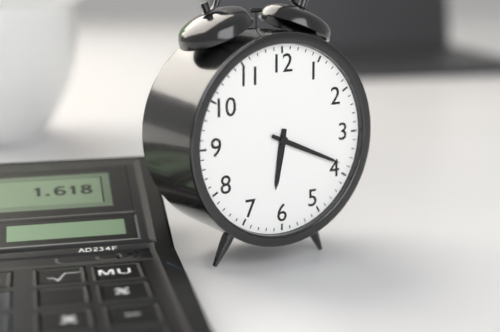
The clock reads 6h19
